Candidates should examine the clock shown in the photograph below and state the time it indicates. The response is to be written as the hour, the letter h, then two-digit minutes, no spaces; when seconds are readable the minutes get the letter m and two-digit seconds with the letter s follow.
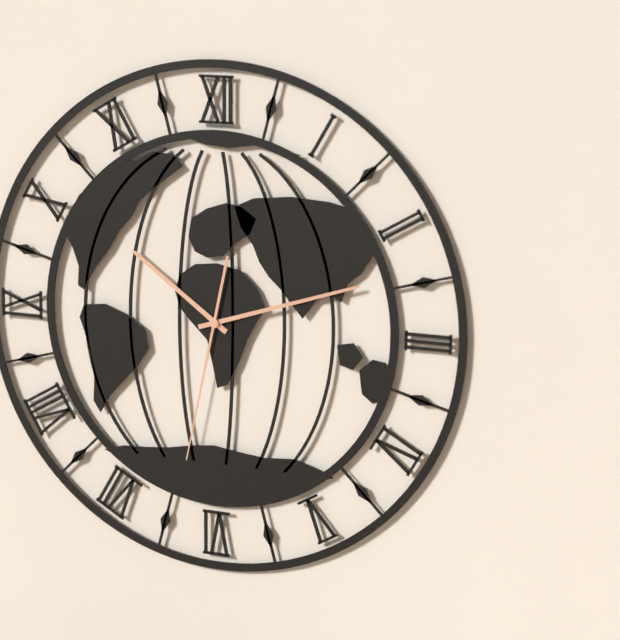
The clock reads 10h12m32s
